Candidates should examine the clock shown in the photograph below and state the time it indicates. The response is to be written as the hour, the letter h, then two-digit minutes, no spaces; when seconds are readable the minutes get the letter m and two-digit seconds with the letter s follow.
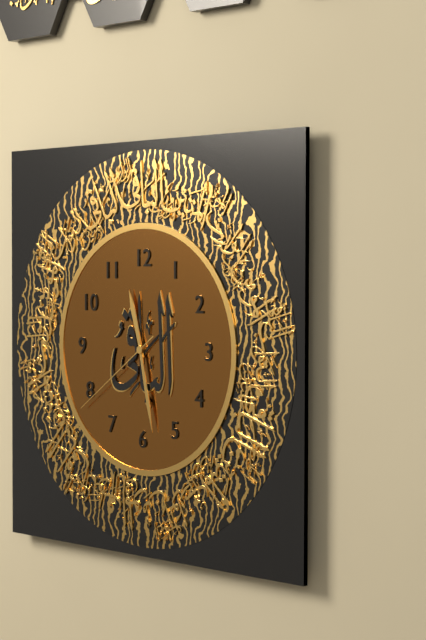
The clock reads 11h28m39s
